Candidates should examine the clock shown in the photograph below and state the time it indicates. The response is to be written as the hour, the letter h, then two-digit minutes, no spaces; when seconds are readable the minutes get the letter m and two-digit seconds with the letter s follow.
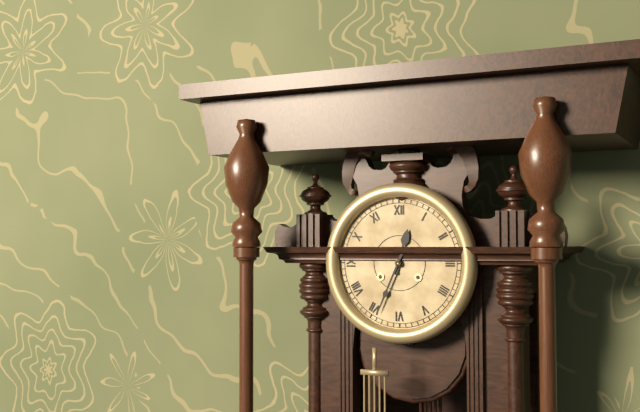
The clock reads 12h34
